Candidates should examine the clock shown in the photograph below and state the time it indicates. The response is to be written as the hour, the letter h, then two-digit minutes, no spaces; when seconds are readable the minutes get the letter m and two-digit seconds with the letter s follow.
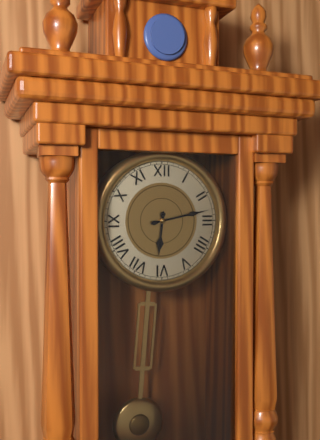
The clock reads 6h13
